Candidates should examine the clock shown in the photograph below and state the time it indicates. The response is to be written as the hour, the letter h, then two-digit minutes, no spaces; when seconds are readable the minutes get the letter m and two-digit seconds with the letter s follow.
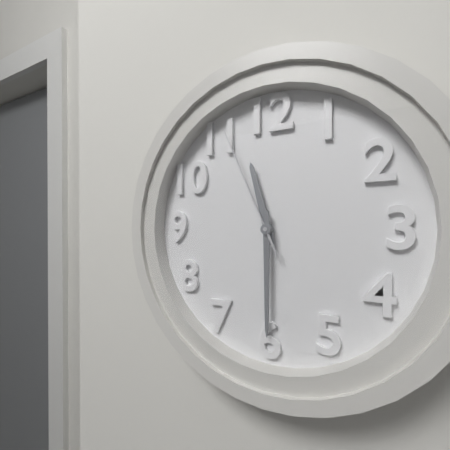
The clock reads 11h30m56s
